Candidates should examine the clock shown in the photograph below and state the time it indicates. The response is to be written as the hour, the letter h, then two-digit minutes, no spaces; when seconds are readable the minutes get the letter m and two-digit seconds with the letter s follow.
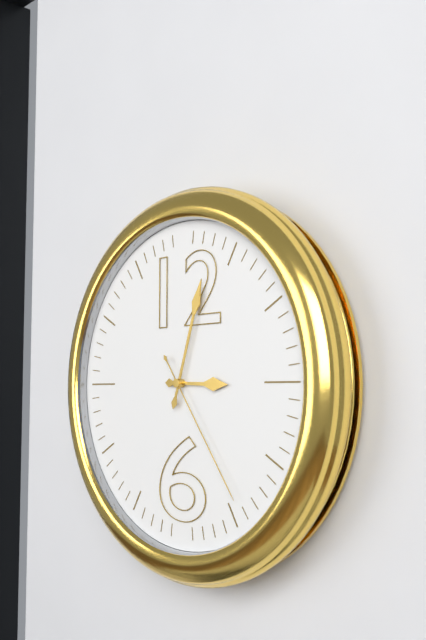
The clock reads 3h03m24s
